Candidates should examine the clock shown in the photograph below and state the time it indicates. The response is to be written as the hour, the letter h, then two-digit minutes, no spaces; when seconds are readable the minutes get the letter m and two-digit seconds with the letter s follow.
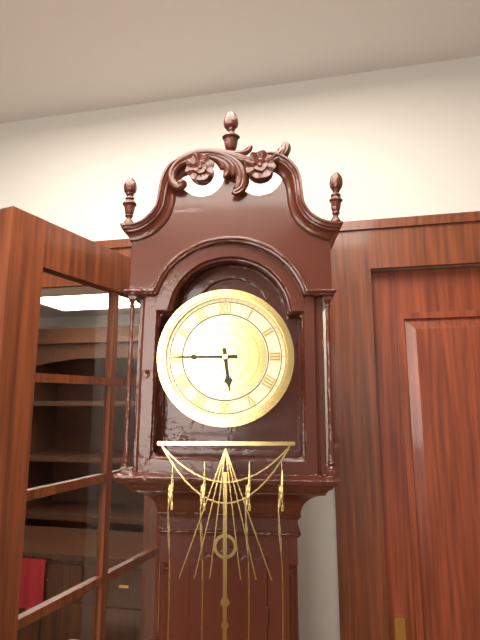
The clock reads 5h45
